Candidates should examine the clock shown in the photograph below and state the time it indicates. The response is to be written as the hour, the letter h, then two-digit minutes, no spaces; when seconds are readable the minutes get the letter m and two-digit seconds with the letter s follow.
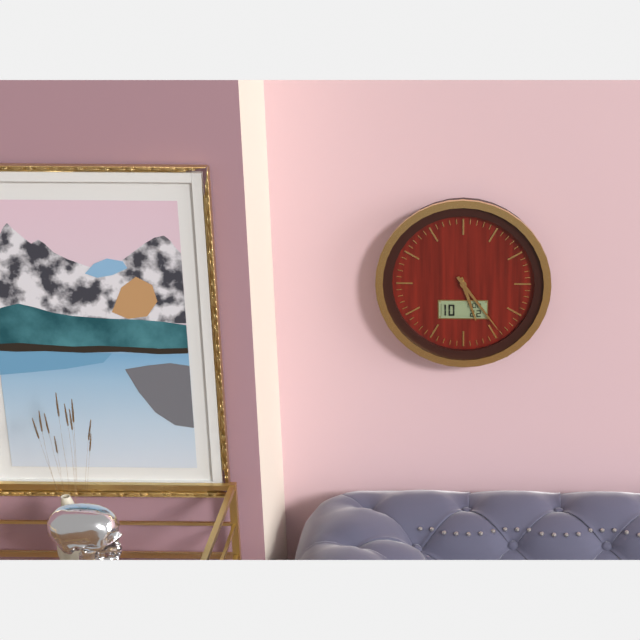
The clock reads 5h24
